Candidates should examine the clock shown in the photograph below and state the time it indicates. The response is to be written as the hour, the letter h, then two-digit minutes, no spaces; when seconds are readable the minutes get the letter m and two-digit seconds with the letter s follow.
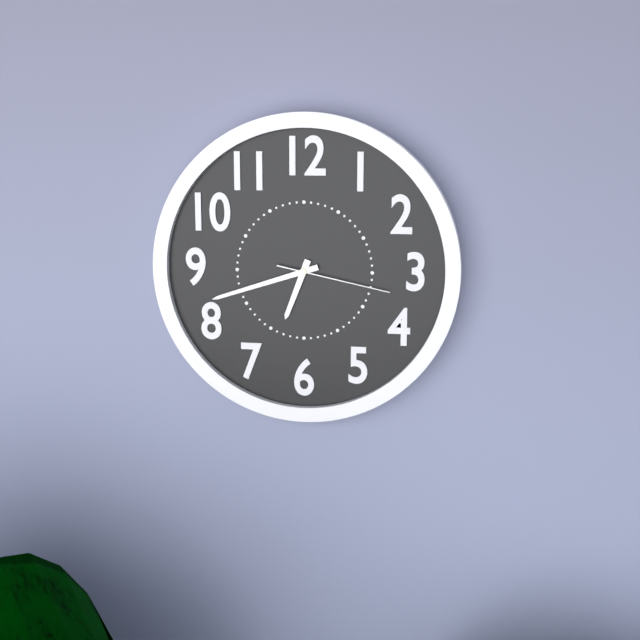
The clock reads 6h42m17s
